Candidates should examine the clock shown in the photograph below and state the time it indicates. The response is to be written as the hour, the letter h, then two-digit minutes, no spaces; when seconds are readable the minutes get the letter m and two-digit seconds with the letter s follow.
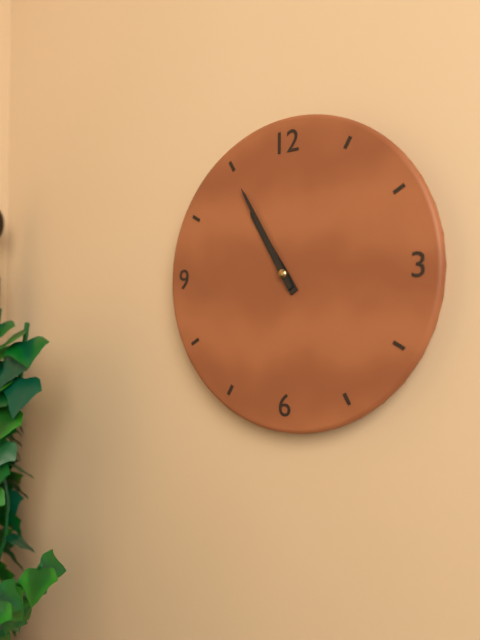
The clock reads 10h55
